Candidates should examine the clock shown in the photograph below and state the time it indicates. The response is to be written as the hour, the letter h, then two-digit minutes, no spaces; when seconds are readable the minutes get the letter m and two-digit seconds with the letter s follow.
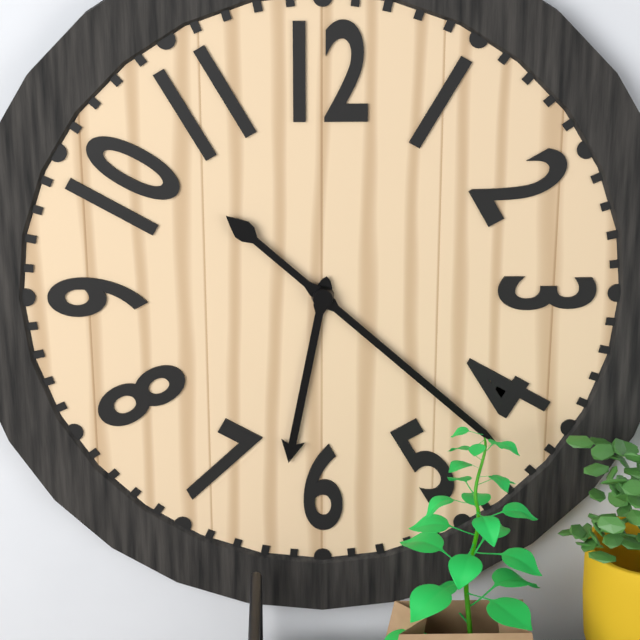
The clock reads 6h22
